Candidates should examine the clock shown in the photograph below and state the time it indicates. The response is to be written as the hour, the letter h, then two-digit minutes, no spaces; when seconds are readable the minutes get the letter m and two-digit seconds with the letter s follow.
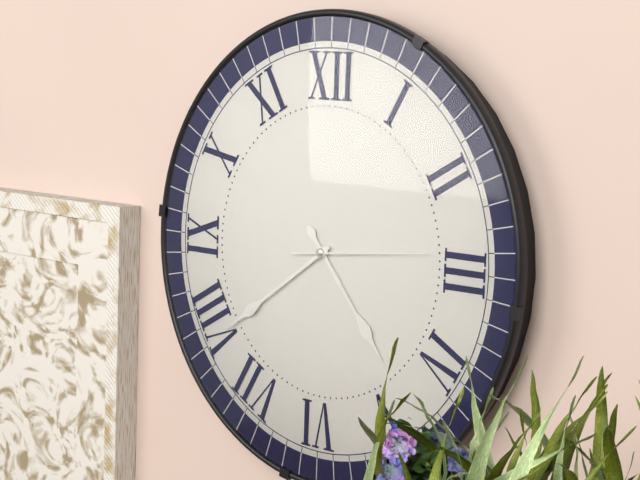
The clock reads 4h39m14s
